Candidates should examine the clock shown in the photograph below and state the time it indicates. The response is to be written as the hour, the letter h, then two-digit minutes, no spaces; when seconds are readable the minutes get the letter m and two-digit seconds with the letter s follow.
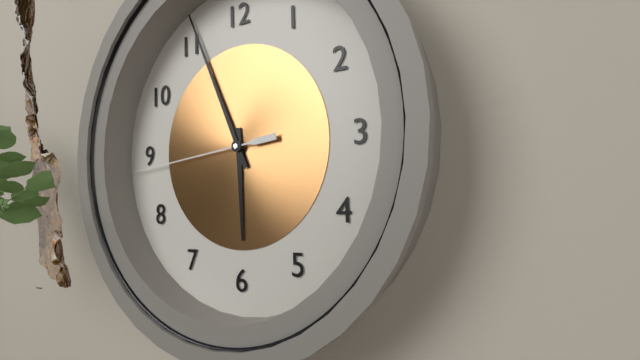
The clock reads 5h56m44s
